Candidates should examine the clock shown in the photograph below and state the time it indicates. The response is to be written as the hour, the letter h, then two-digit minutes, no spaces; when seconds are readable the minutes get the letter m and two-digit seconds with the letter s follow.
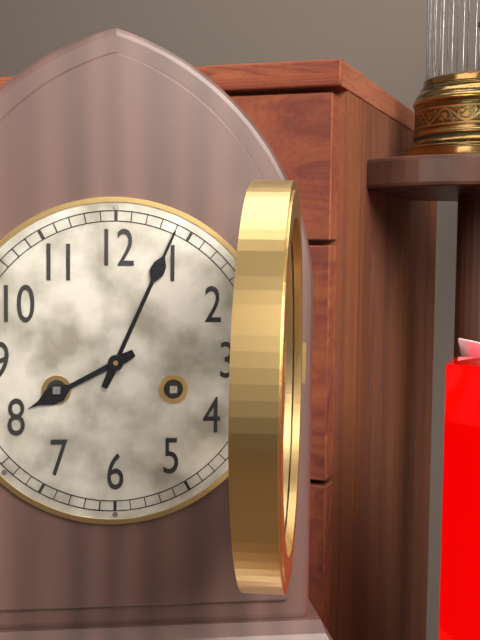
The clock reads 8h04
